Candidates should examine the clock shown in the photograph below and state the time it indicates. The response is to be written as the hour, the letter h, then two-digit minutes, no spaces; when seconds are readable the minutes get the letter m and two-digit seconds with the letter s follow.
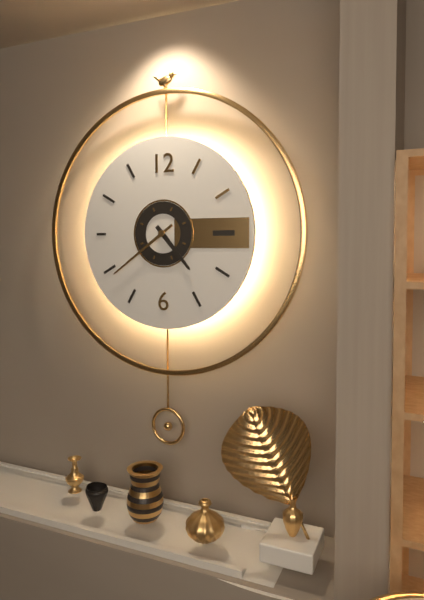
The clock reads 4h39
